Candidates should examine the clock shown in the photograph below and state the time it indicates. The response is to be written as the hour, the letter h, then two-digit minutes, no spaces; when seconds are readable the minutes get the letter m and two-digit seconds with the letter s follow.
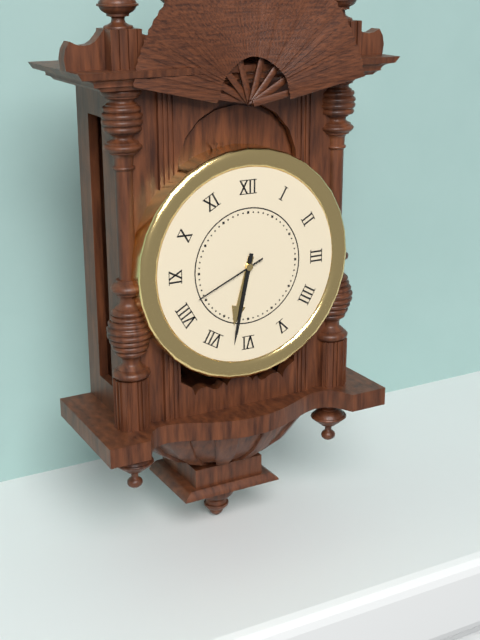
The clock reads 6h32m41s
